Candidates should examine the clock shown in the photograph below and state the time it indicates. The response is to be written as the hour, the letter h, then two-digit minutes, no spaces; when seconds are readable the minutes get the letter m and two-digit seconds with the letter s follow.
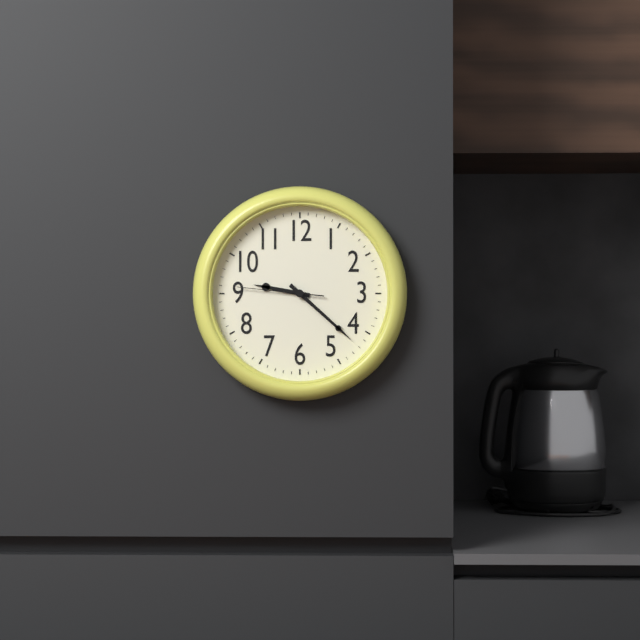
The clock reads 9h22m46s
